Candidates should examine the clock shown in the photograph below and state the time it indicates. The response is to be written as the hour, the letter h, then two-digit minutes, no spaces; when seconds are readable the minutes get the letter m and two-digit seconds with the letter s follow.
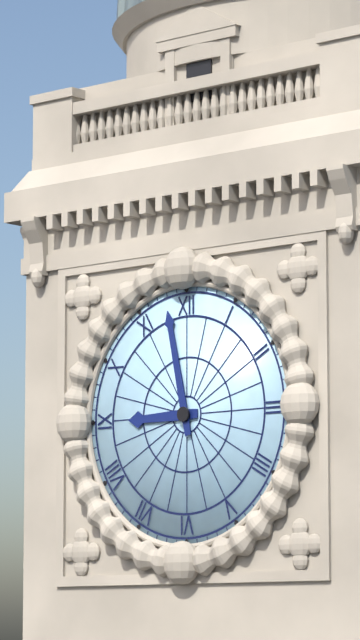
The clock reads 8h58
